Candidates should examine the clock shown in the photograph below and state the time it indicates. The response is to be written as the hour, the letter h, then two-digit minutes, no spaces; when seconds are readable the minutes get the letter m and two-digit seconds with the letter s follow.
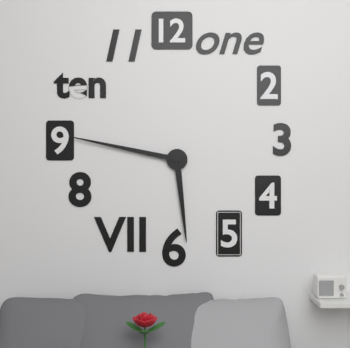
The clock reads 5h47
